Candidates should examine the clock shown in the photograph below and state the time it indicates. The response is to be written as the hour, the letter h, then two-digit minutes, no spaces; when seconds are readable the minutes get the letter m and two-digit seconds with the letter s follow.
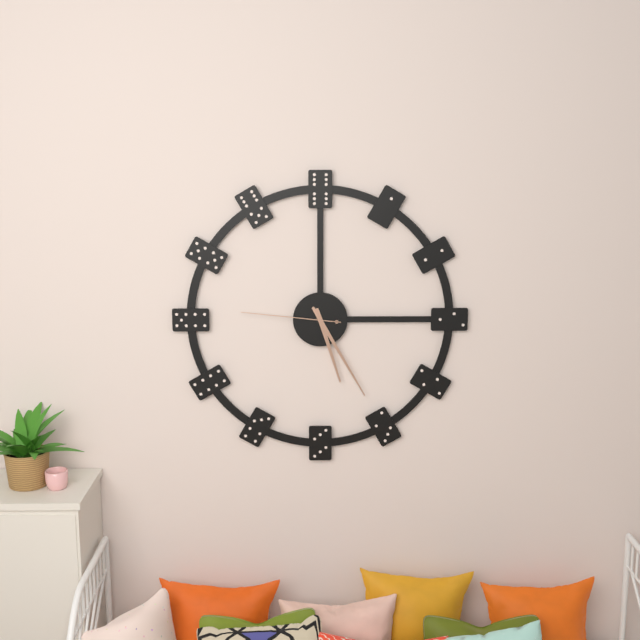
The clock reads 5h25m46s
